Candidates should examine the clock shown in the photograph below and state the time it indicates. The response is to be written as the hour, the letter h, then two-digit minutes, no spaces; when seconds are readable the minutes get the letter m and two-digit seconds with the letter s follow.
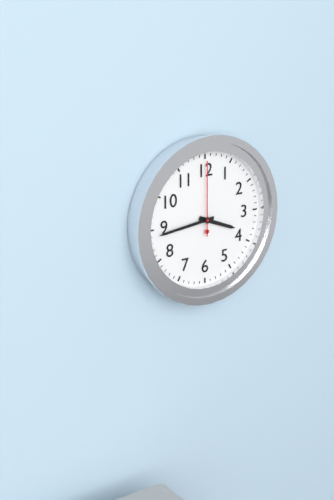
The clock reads 3h44m00s
